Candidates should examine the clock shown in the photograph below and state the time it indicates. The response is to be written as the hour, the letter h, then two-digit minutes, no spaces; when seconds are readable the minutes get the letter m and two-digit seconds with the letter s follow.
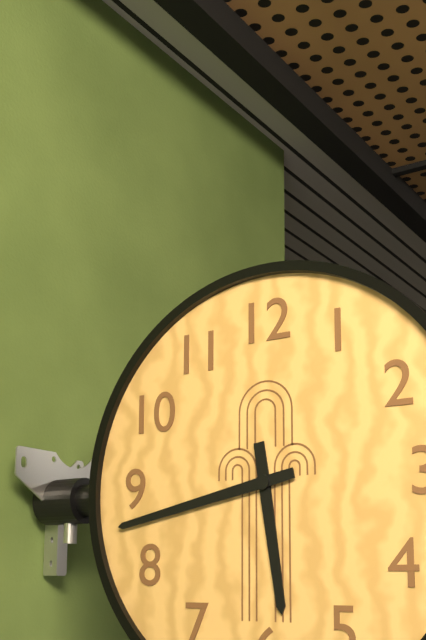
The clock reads 5h43
